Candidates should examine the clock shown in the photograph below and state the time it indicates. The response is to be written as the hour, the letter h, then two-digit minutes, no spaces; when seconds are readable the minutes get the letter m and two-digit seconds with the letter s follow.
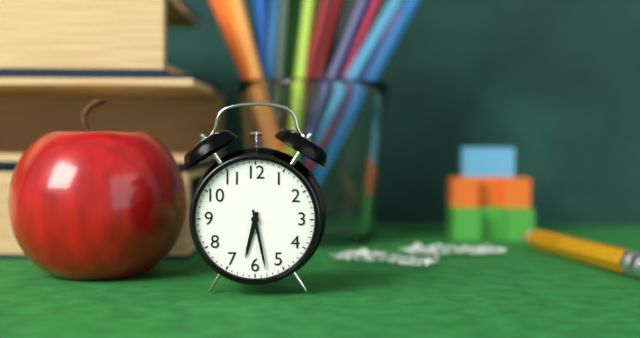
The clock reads 6h28
